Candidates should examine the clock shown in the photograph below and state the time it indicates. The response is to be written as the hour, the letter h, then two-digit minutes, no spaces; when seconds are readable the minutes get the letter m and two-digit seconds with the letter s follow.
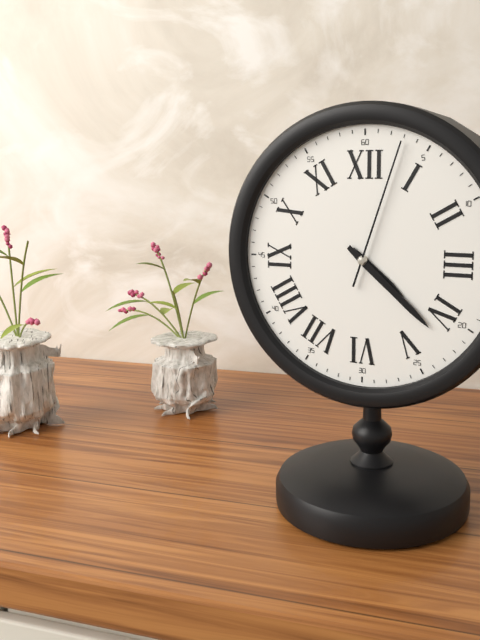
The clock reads 4h22m03s
